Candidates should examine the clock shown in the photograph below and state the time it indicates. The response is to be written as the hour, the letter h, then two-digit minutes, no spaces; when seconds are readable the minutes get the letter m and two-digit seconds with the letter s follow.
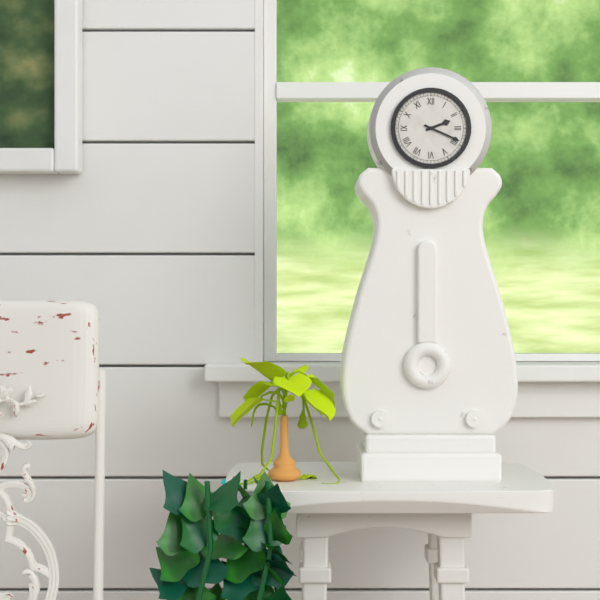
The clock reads 2h19
